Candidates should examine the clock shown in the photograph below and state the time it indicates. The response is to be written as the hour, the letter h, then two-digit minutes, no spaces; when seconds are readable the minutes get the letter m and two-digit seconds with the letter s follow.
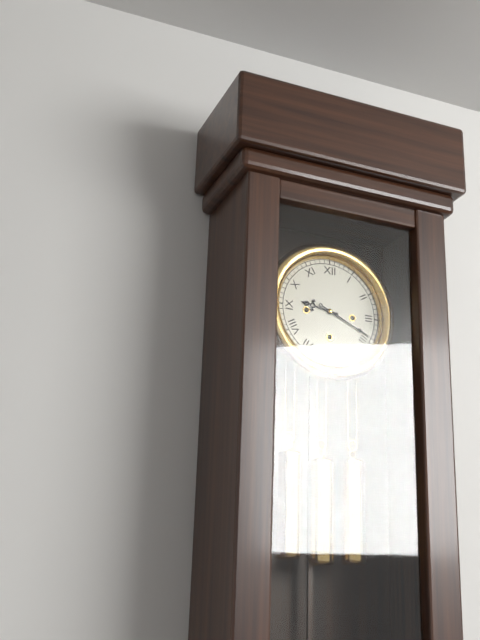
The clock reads 9h19
